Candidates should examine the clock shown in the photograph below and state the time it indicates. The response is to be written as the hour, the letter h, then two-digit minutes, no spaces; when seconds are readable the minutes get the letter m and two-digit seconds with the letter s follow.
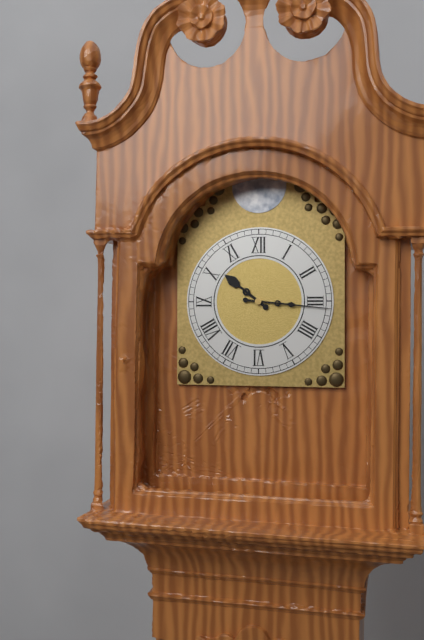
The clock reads 10h16
